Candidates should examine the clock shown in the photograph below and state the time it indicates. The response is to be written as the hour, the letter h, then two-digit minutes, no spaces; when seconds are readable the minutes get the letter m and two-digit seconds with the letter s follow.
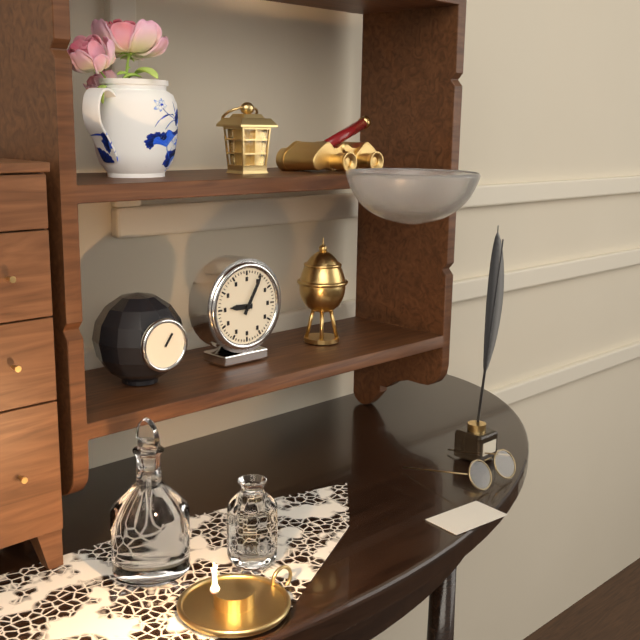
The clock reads 9h05
